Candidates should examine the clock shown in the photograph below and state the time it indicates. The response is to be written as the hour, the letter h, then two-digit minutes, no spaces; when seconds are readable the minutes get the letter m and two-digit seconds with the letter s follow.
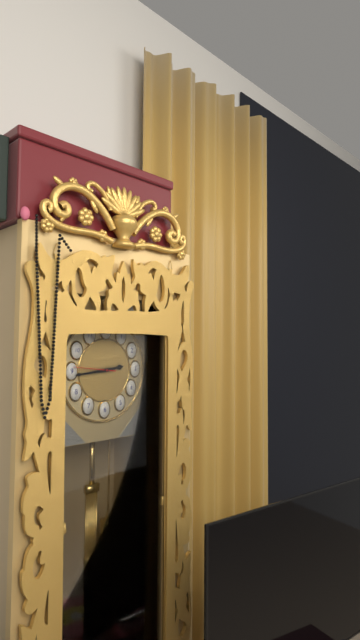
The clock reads 2h44
